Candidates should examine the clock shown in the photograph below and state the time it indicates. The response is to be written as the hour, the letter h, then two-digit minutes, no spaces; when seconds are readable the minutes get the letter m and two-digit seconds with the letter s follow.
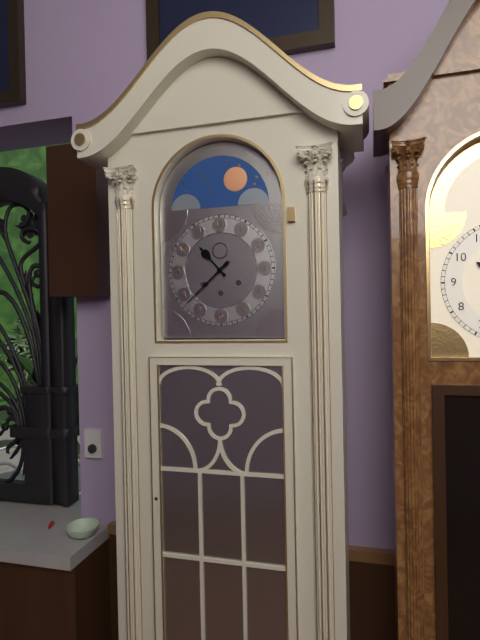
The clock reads 10h38
